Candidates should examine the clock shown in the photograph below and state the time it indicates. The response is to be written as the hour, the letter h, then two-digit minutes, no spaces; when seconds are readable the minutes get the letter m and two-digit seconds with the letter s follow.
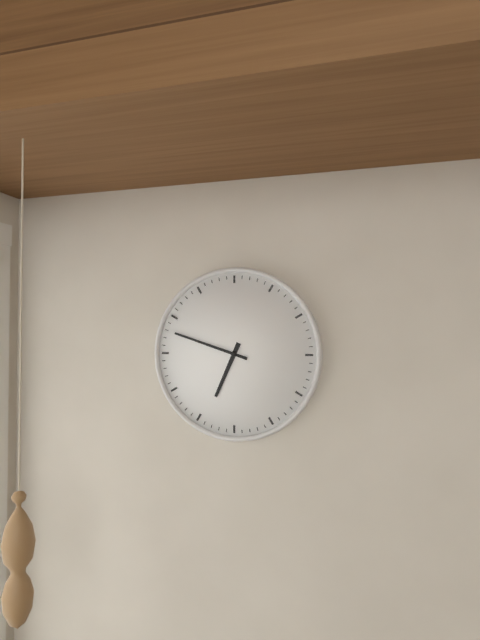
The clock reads 6h48
